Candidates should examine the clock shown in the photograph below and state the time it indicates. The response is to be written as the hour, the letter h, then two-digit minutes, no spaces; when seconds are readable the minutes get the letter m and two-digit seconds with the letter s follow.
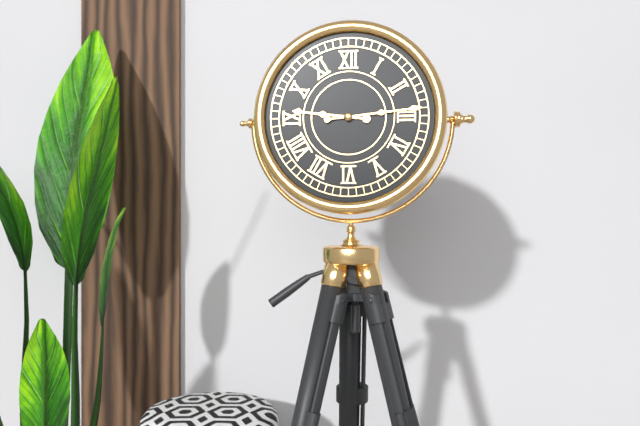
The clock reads 9h14
